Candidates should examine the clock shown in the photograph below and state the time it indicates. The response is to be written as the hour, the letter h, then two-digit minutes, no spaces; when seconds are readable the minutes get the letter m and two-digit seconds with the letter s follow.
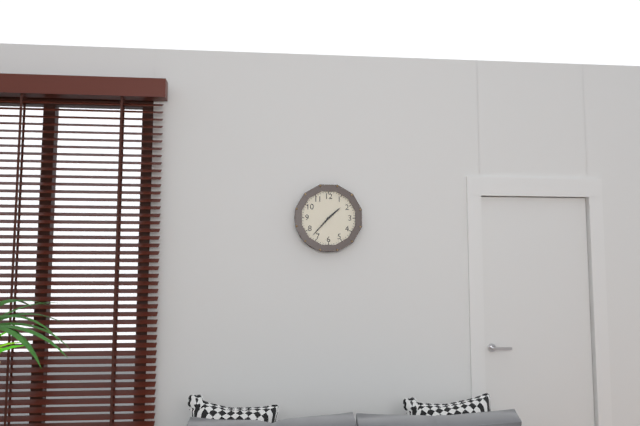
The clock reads 1h37
